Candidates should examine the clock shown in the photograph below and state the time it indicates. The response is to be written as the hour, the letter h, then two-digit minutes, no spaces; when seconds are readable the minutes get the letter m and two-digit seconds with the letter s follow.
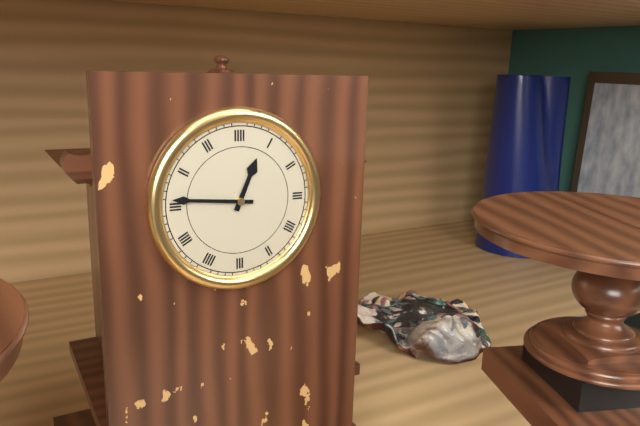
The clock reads 12h46
